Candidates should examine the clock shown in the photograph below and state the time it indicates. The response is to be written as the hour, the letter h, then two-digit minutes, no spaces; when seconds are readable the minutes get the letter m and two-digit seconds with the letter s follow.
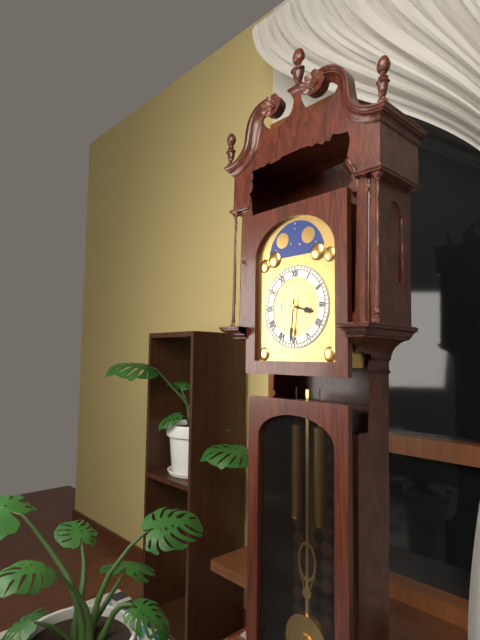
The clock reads 3h31
